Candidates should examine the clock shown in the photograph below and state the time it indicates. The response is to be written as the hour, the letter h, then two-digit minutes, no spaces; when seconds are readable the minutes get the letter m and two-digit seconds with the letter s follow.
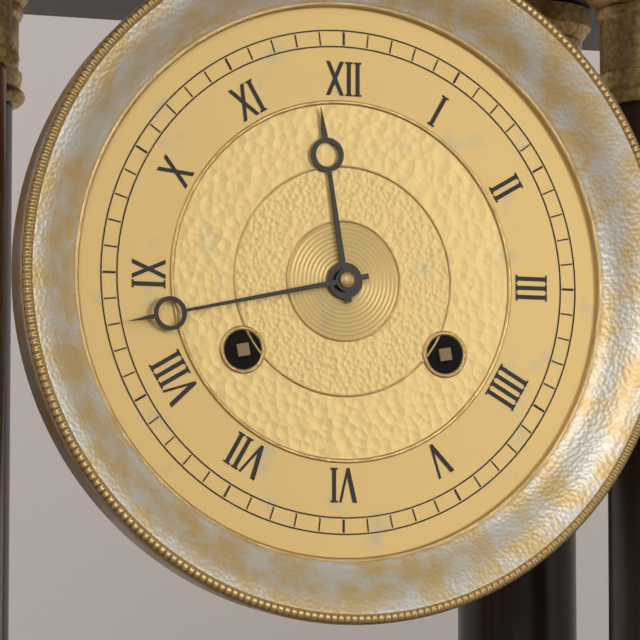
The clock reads 11h43
